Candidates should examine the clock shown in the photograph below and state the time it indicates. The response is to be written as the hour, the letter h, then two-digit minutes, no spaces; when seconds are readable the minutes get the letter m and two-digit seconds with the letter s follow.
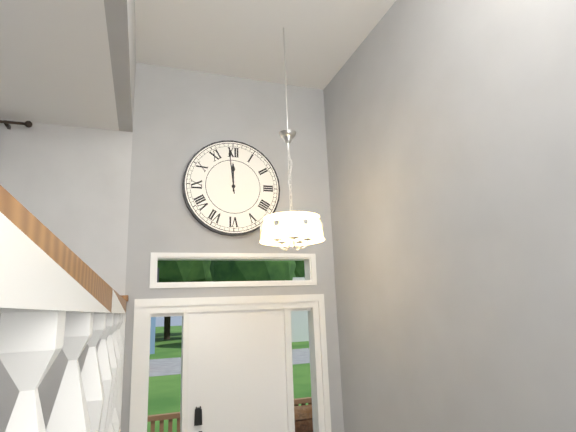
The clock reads 11h59
